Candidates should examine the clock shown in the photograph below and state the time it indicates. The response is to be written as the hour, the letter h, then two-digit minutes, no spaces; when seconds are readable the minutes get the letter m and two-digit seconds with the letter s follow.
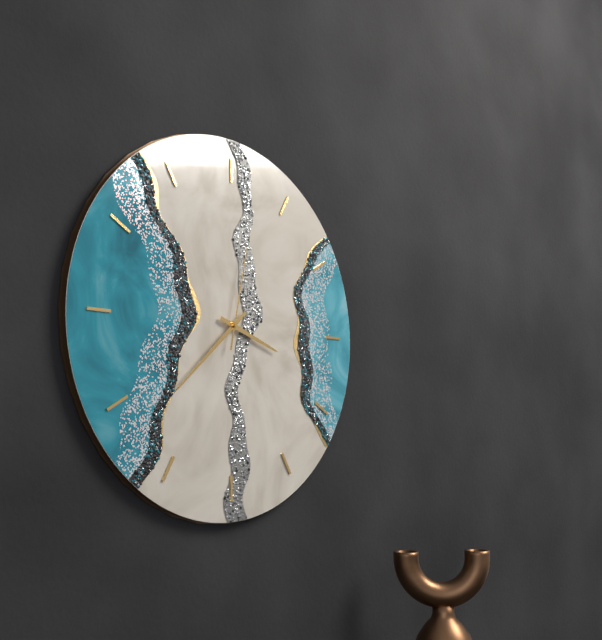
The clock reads 3h38m02s
